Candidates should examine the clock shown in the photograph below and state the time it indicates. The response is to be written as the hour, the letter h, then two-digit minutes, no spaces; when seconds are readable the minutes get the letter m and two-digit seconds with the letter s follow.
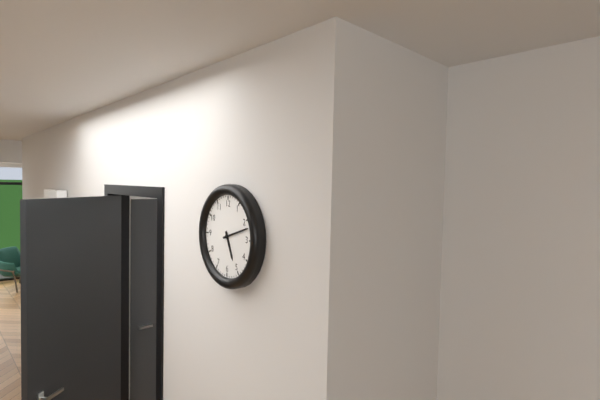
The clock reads 5h12
